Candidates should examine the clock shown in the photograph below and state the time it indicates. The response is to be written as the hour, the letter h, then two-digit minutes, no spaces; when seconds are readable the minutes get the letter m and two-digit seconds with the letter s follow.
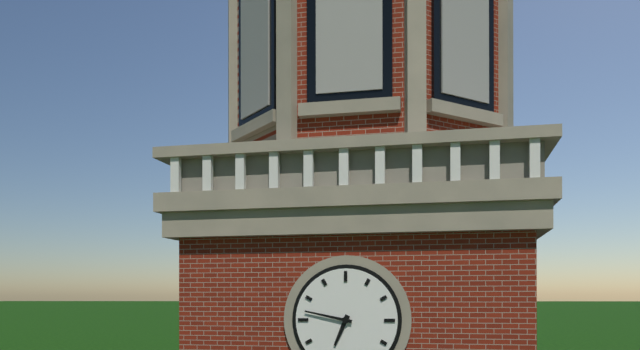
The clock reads 6h47
